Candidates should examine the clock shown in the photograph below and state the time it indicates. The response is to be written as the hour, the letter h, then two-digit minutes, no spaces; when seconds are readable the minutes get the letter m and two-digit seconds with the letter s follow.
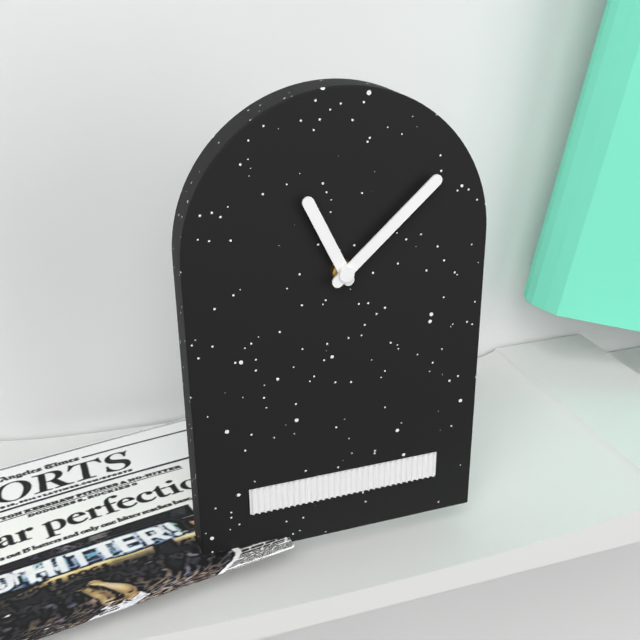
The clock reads 11h08
